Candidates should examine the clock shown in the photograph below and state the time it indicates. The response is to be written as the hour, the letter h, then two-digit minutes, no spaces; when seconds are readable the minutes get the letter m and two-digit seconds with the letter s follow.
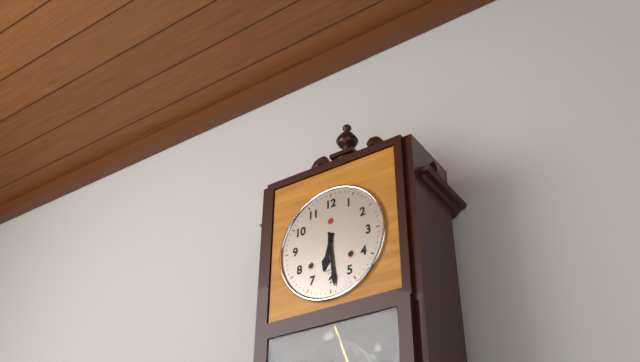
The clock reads 6h29
